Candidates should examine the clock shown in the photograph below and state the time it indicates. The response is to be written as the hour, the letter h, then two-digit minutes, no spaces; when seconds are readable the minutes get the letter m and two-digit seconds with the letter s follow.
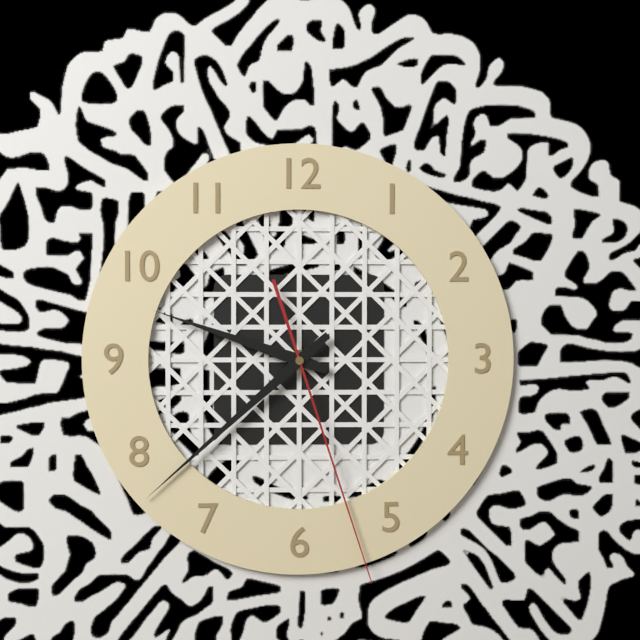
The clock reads 9h38m27s
